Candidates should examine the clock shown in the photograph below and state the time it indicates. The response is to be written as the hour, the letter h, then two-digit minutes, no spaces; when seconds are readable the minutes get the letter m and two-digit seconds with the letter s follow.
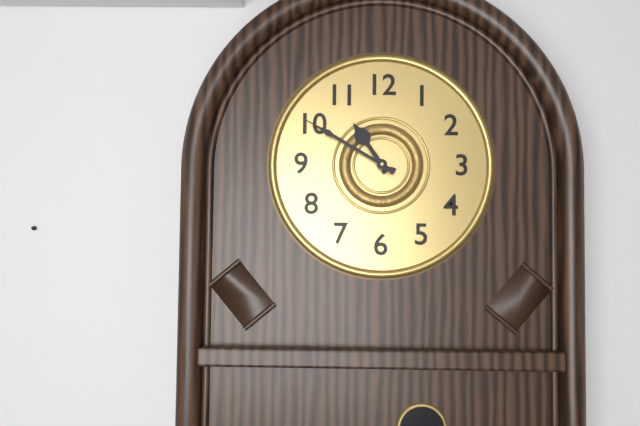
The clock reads 10h50
